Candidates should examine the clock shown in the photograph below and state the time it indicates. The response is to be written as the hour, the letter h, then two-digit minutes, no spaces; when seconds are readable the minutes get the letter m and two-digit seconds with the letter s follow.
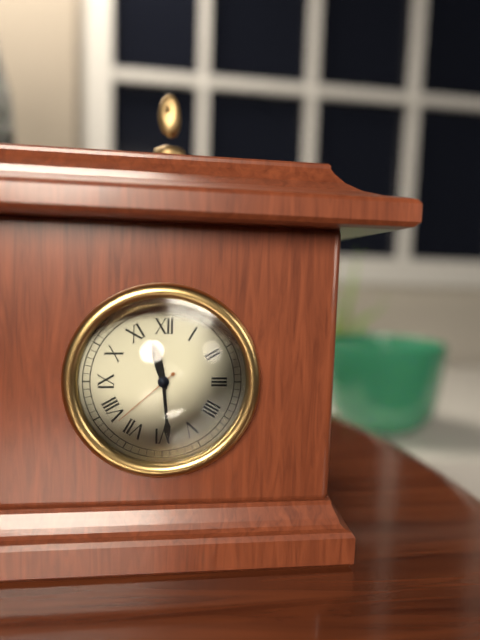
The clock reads 11h29m38s
